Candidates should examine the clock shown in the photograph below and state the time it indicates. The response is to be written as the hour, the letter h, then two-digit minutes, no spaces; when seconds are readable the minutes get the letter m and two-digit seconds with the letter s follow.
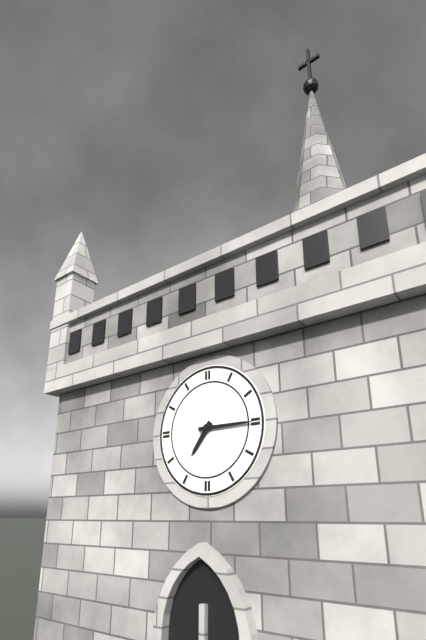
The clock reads 7h15
